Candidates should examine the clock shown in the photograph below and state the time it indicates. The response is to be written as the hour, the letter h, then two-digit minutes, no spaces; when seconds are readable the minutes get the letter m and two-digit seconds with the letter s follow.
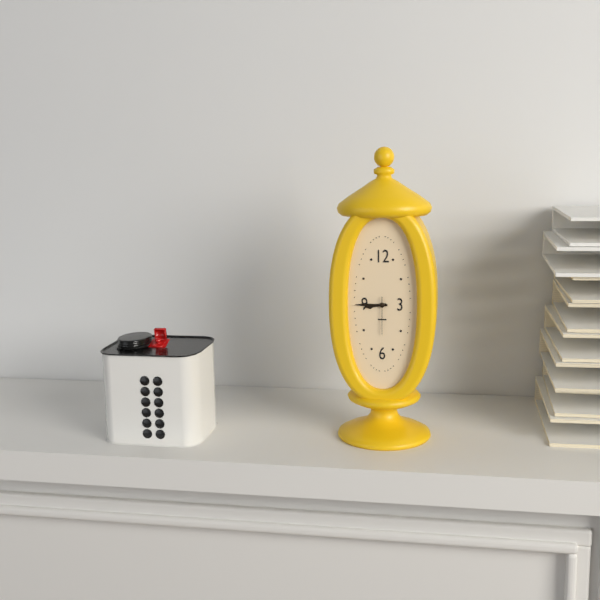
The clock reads 8h45
